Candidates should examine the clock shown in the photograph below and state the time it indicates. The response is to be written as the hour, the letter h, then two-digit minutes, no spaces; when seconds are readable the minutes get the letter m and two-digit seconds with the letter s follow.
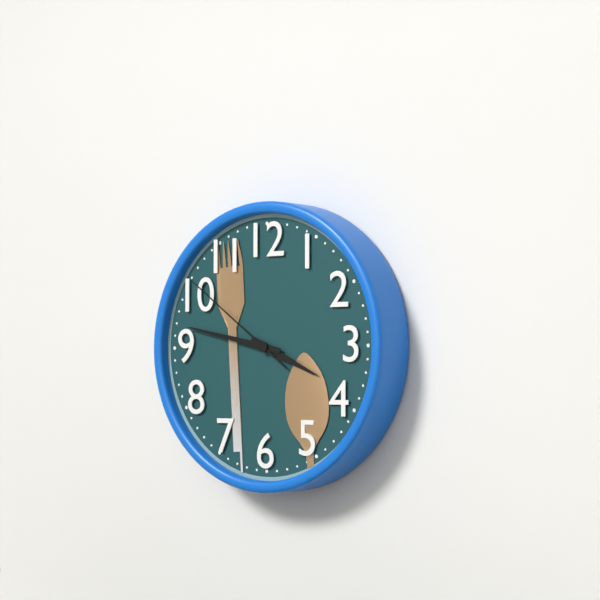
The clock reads 3h47m51s
